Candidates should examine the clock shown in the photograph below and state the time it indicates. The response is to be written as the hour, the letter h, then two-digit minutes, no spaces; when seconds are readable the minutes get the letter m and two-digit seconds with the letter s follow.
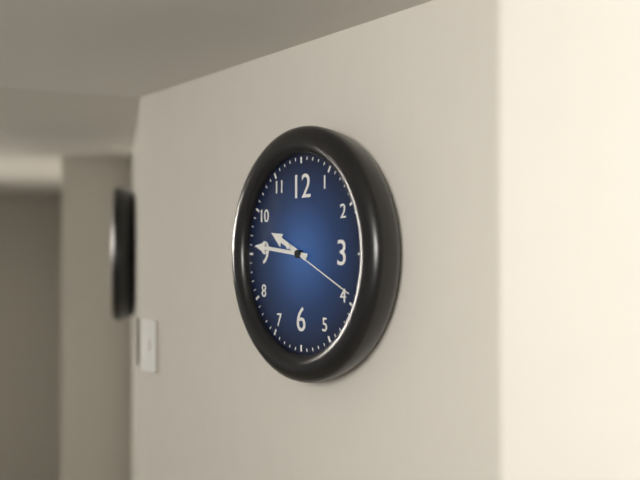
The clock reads 9h46m19s
